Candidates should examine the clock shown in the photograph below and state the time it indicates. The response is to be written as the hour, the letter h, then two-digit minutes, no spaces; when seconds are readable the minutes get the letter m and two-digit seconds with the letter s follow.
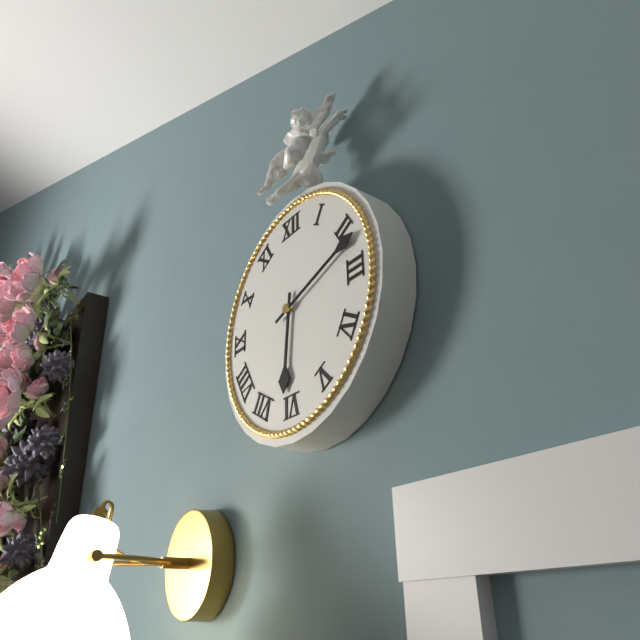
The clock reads 6h12
